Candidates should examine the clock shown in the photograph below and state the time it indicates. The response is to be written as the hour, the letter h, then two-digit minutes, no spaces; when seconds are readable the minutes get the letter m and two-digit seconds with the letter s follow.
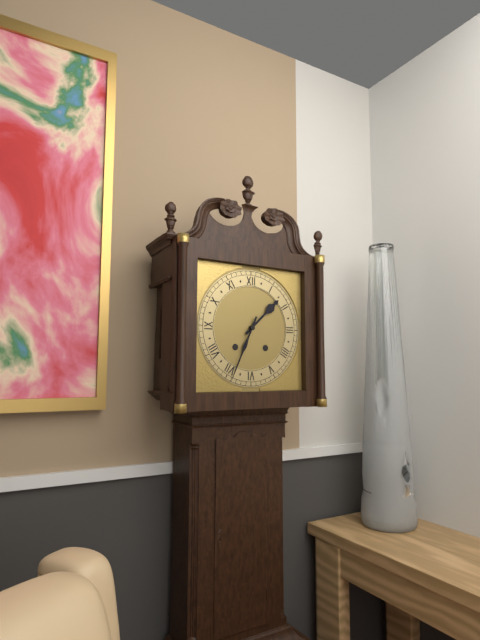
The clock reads 1h34
